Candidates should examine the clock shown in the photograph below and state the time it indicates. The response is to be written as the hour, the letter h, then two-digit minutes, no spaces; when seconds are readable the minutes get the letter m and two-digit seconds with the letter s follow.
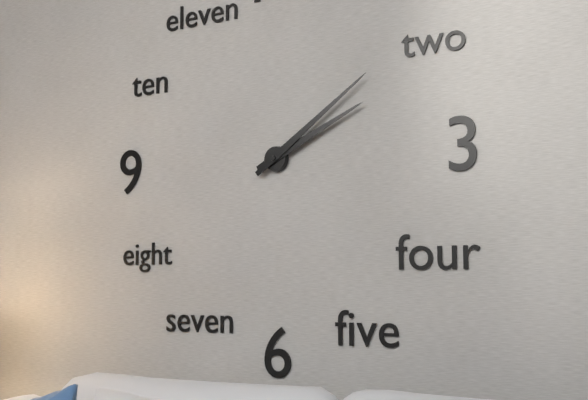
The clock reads 2h09
